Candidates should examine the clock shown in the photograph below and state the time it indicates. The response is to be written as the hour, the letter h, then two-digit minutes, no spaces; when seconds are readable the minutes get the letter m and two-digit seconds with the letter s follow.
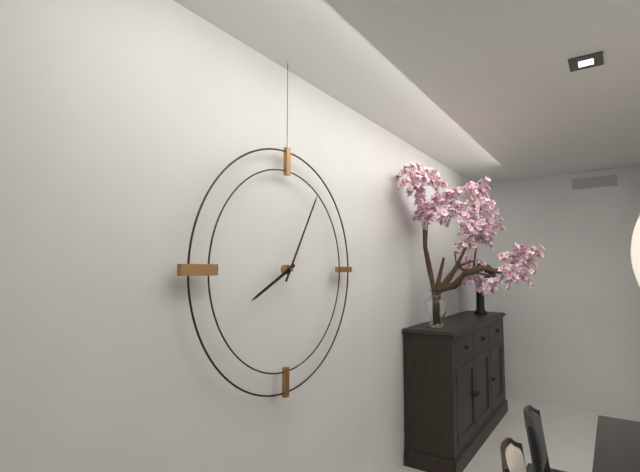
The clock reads 8h05
